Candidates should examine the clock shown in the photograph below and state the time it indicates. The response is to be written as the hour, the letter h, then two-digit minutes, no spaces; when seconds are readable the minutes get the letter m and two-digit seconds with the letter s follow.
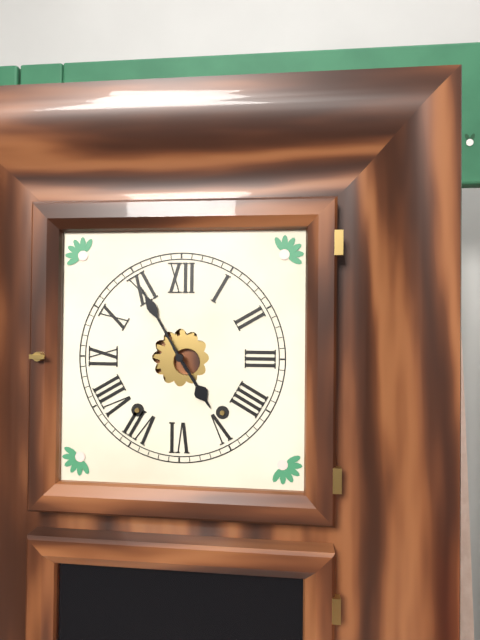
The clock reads 4h55
